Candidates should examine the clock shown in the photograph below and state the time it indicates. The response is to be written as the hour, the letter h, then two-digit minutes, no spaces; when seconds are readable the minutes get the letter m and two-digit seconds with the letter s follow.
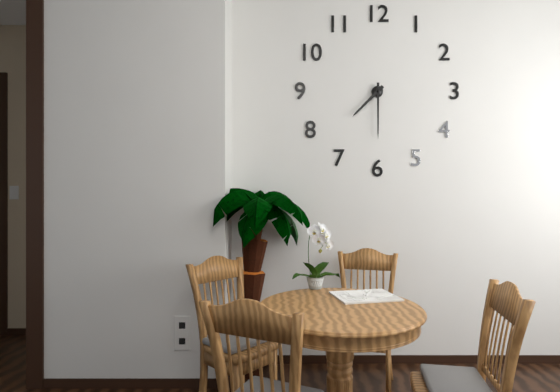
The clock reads 7h30
